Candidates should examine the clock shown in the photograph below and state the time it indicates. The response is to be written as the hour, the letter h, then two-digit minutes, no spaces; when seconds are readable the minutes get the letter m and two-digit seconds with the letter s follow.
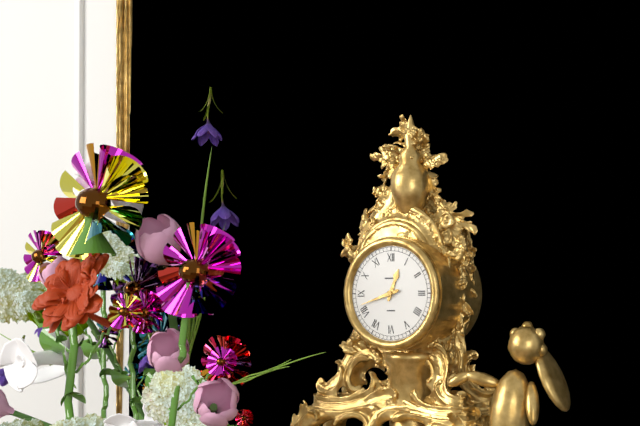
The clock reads 12h42
